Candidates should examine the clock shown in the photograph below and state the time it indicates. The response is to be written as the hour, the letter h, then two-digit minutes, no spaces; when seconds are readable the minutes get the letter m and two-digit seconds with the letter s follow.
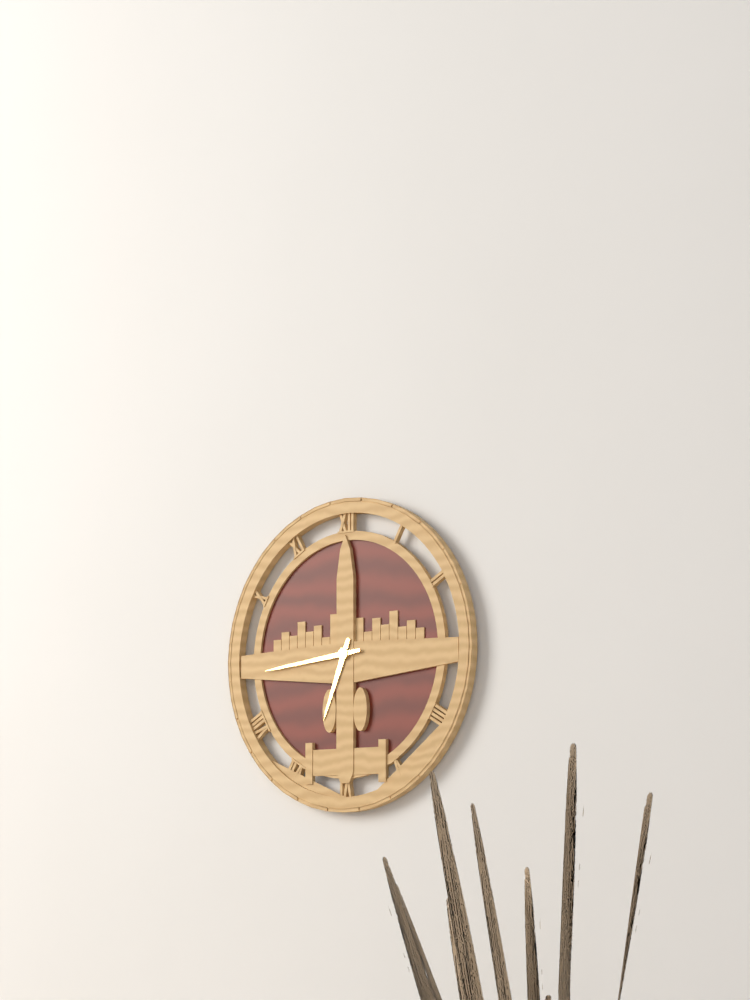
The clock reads 6h44
